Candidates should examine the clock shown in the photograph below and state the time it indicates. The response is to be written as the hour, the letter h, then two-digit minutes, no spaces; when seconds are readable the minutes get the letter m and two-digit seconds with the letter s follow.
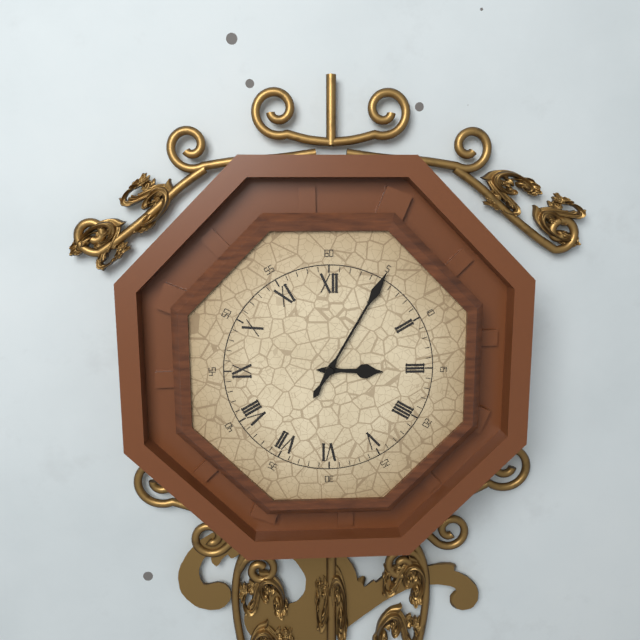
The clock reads 3h05
